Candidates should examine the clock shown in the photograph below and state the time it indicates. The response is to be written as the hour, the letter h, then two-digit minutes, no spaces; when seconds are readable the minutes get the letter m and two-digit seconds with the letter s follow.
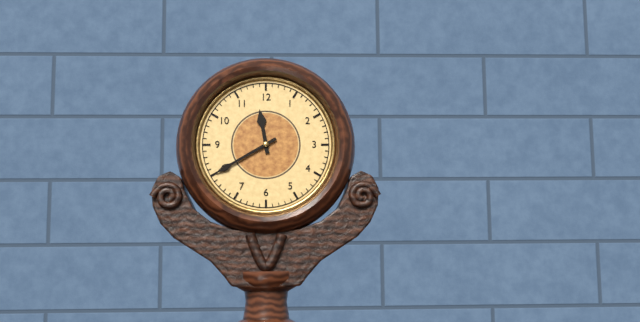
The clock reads 11h40
